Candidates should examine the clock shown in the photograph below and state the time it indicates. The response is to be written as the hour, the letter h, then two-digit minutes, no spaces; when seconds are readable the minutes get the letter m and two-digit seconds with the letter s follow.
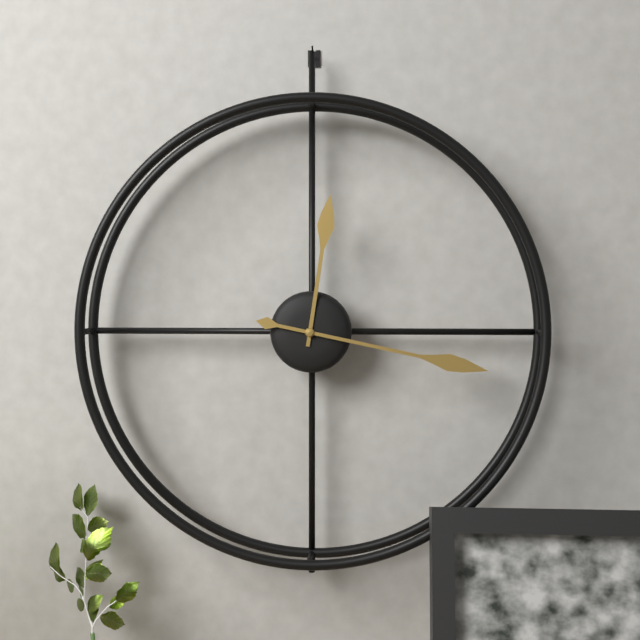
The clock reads 12h17
